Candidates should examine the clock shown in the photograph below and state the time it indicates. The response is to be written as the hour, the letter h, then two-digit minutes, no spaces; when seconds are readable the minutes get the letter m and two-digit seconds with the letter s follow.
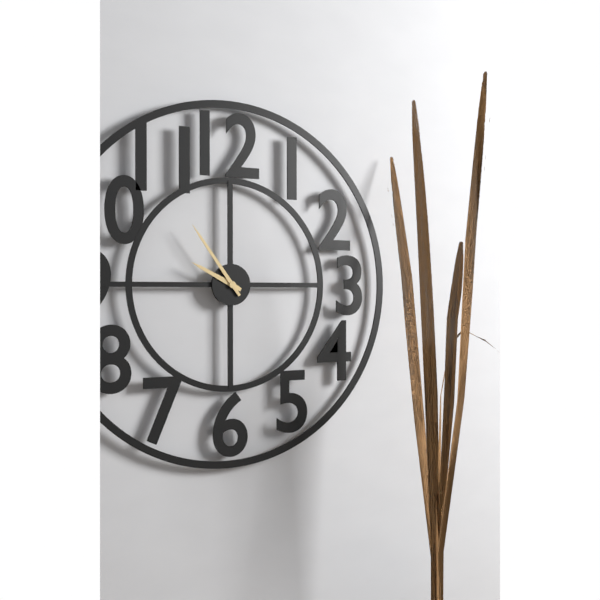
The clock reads 9h54
